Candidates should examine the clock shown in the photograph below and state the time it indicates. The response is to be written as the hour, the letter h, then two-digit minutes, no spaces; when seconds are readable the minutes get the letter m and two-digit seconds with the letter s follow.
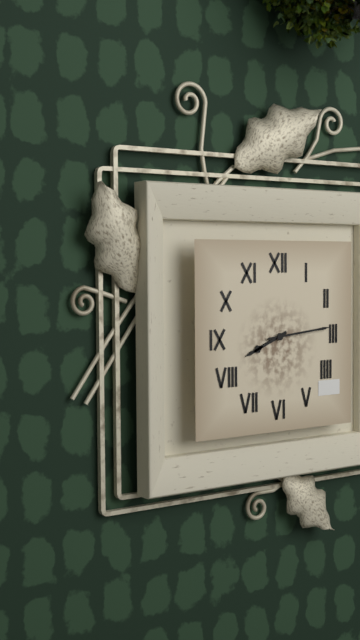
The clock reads 8h14
